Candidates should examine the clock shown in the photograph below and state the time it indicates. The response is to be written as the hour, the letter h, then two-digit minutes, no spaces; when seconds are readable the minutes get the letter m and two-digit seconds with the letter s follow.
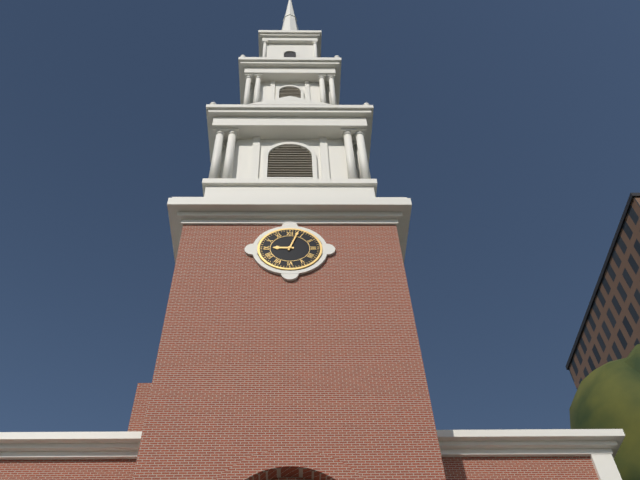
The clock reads 9h03
